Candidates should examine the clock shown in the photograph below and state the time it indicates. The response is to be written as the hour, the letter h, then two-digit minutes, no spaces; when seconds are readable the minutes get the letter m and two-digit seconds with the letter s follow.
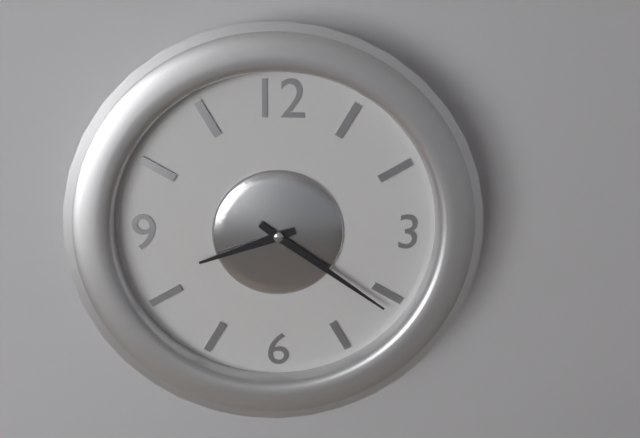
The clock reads 8h21
